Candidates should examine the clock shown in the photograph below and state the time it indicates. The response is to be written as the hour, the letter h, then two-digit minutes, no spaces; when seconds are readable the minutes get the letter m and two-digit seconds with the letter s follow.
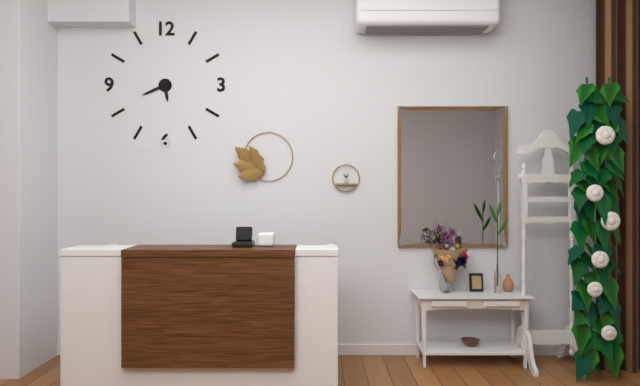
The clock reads 5h41
